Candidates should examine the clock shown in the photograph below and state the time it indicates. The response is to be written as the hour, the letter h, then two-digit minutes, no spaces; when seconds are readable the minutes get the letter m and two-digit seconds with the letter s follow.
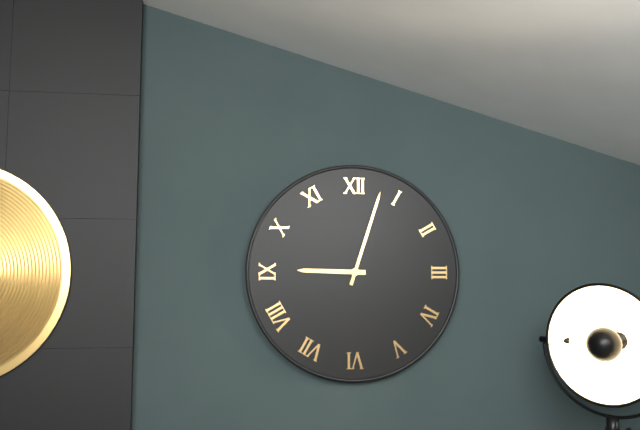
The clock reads 9h03
